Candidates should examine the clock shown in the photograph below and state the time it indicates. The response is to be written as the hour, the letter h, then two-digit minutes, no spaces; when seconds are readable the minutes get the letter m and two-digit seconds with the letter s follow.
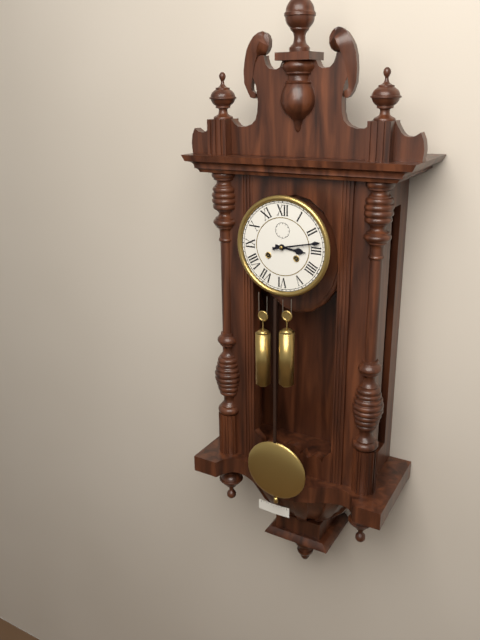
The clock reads 3h13
